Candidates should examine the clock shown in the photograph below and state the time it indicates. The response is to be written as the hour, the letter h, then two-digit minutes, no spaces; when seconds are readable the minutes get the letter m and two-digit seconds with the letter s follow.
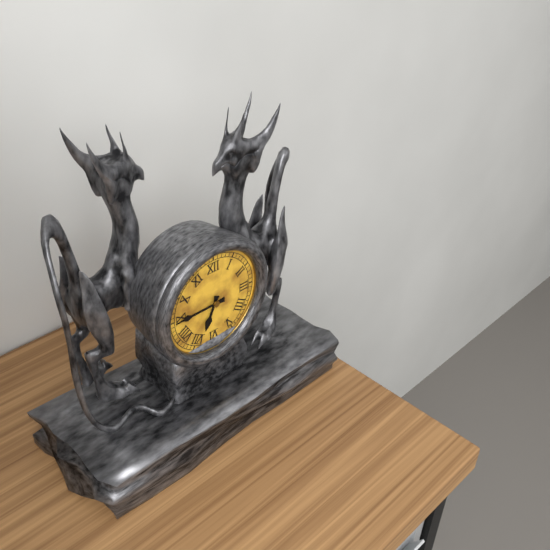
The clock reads 6h45
